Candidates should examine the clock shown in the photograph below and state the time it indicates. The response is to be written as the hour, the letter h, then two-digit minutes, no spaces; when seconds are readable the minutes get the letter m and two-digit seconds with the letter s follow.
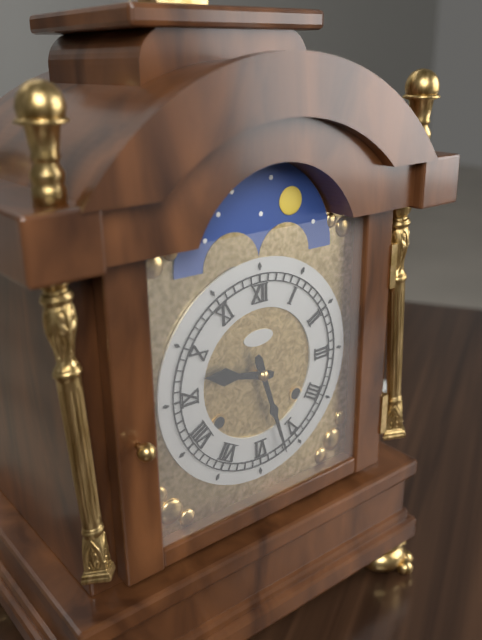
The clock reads 9h27
